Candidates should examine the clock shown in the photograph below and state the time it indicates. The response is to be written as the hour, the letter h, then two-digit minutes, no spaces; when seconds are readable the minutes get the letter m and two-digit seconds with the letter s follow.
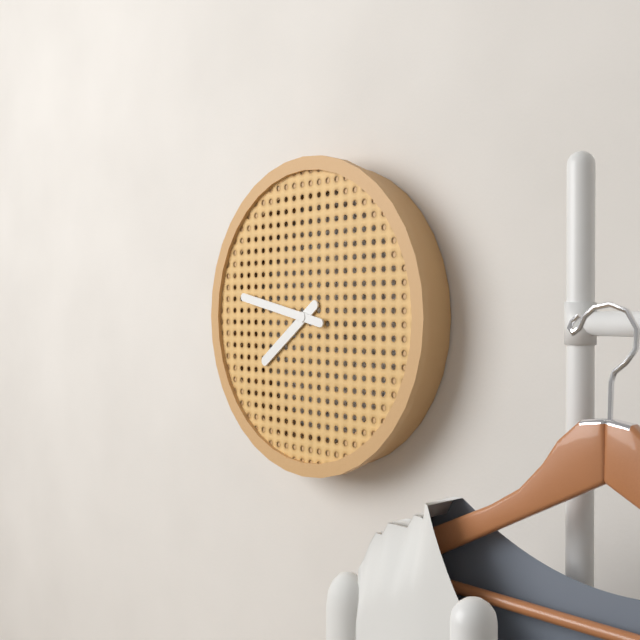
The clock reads 7h47
